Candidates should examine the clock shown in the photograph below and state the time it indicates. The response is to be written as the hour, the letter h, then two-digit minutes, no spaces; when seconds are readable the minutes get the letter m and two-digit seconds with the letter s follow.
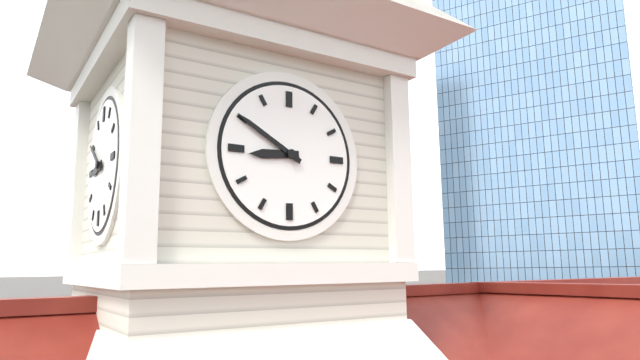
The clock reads 8h50
